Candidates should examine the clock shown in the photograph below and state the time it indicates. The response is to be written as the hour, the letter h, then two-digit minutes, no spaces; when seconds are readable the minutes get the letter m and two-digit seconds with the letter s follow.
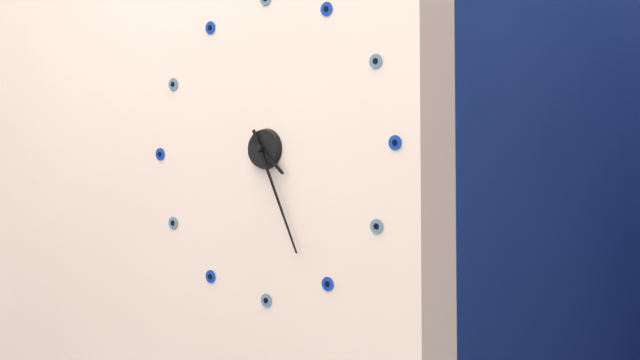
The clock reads 4h26
